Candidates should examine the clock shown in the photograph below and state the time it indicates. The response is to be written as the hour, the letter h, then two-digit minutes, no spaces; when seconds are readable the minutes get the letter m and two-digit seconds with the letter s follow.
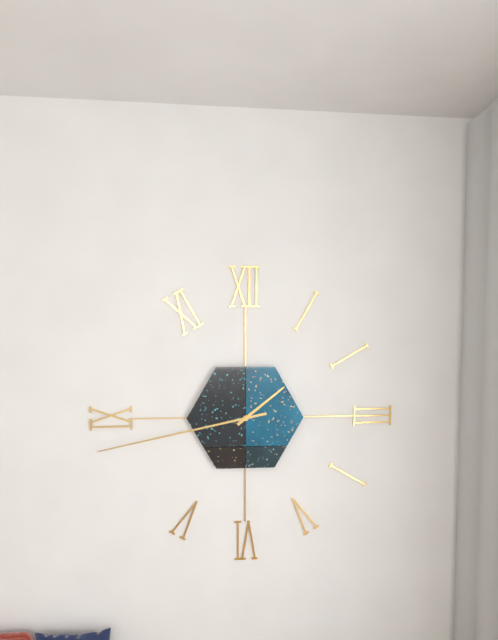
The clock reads 1h43
